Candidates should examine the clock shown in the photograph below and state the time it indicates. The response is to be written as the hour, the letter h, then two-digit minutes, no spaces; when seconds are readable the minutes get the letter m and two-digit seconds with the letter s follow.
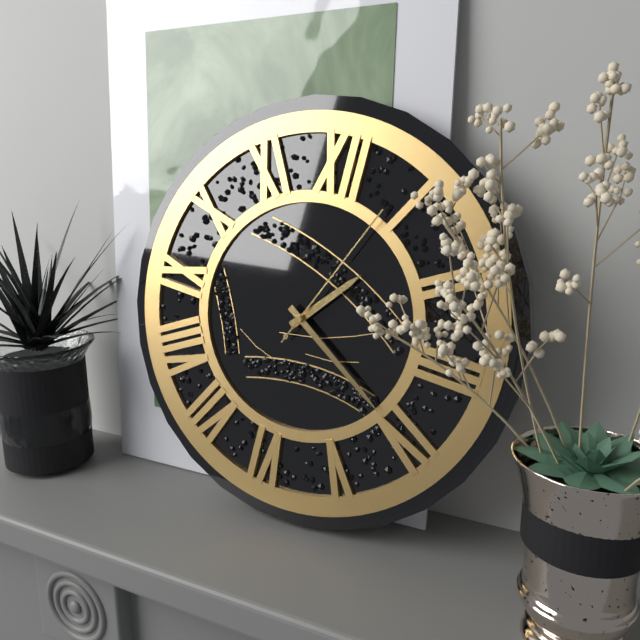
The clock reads 1h20m04s
